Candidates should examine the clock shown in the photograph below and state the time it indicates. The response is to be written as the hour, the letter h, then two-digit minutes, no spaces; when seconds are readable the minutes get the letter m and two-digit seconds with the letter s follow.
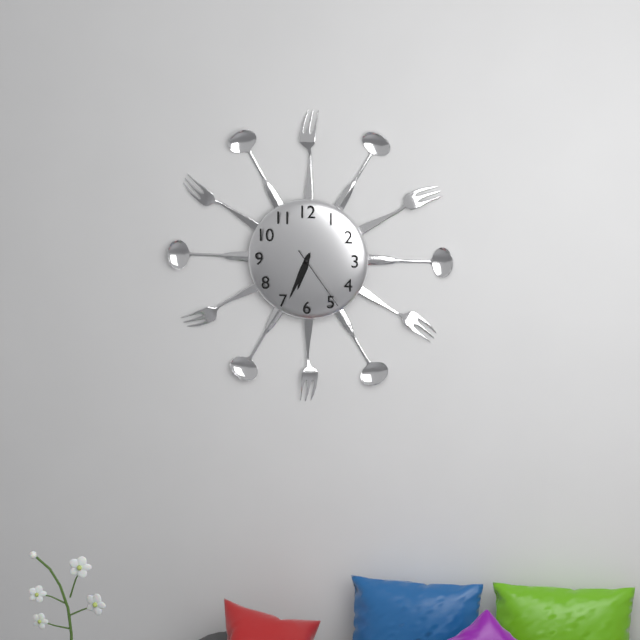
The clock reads 6h34m24s
